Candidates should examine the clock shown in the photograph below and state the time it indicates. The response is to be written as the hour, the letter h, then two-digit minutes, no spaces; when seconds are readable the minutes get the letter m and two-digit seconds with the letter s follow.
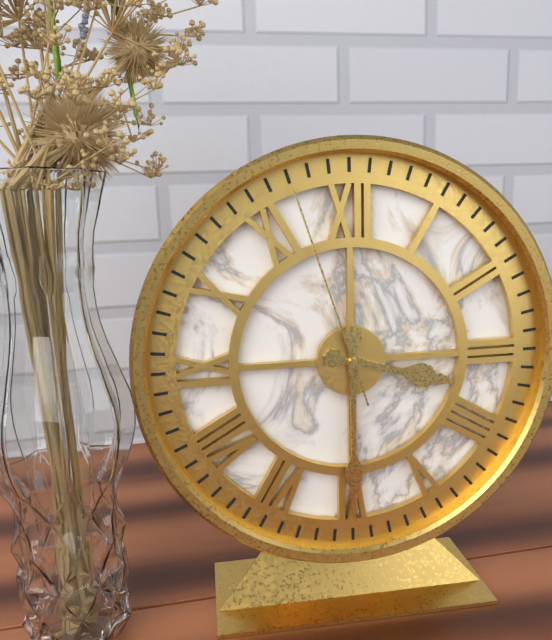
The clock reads 3h30m57s
